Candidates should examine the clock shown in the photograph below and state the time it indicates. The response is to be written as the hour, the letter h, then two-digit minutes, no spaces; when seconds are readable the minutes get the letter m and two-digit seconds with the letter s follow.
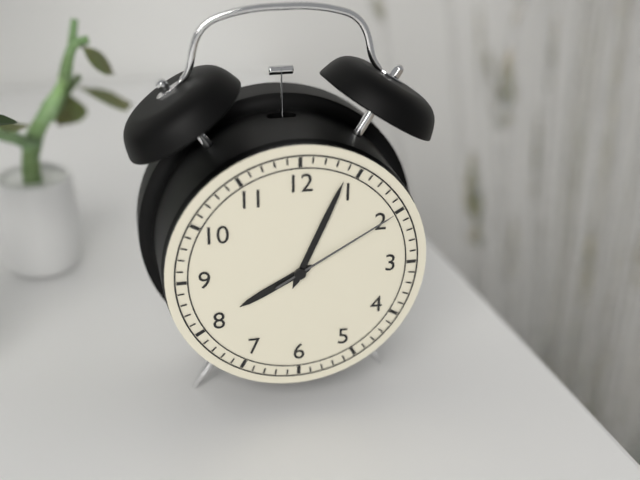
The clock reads 8h04m10s
